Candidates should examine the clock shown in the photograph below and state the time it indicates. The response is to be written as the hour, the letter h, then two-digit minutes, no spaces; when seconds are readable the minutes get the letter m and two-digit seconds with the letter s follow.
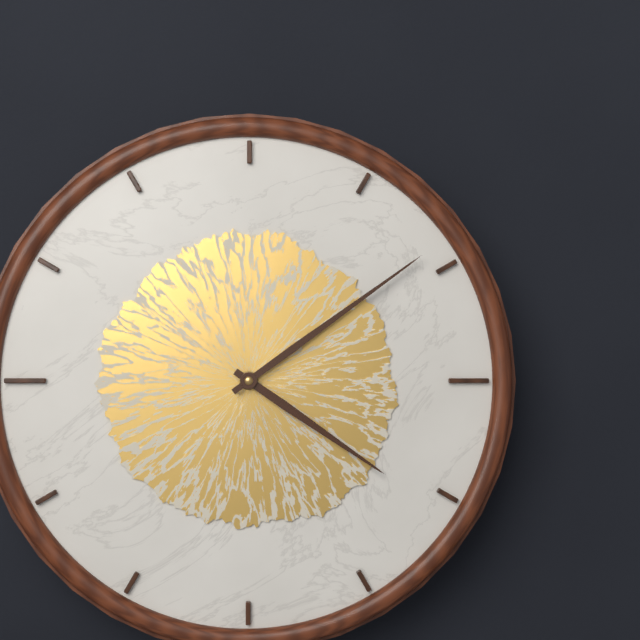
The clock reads 4h09
